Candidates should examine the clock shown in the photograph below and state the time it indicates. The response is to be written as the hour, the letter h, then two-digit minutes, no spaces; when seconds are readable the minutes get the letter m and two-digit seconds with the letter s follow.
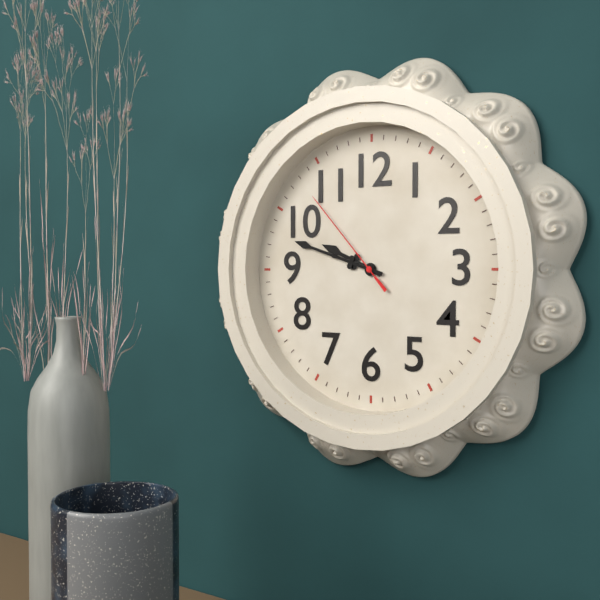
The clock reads 9h48m53s
